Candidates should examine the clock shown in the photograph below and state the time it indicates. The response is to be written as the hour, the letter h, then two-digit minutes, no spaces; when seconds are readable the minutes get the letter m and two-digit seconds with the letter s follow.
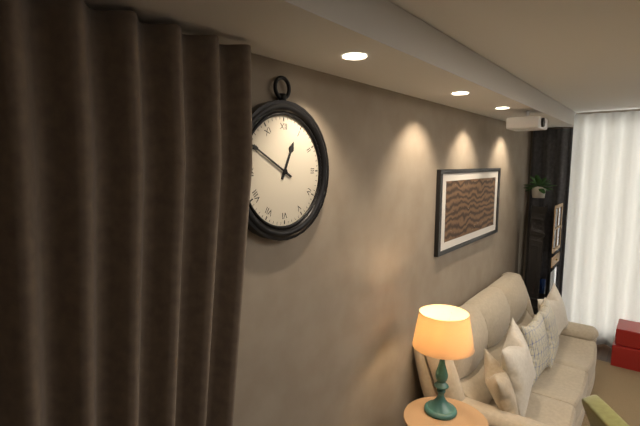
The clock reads 12h50
